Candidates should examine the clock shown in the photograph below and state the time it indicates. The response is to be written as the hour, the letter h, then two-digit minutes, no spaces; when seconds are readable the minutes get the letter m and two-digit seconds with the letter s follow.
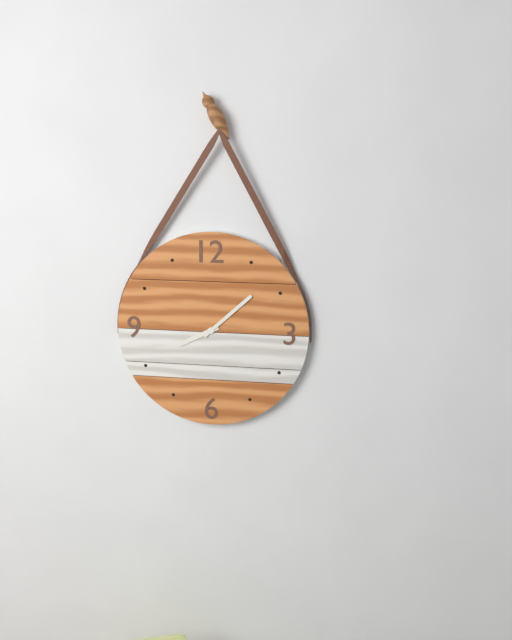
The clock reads 8h08
